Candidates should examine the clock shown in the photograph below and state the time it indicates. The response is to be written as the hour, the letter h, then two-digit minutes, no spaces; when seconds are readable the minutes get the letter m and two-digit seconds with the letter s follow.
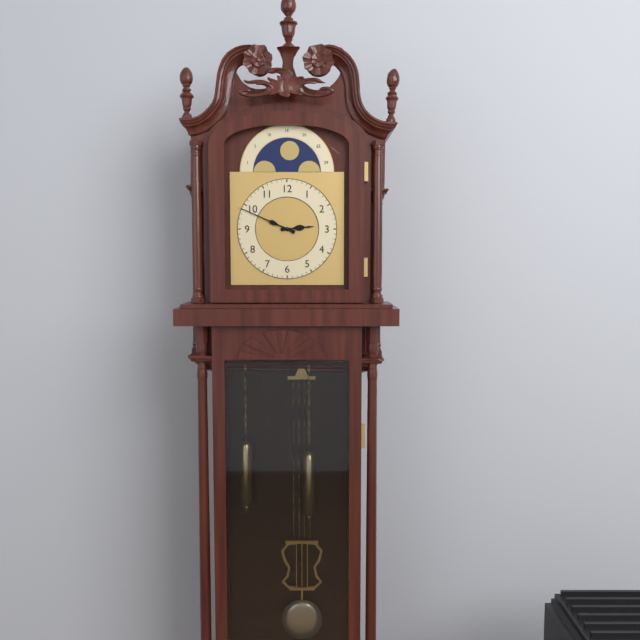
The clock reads 2h49
